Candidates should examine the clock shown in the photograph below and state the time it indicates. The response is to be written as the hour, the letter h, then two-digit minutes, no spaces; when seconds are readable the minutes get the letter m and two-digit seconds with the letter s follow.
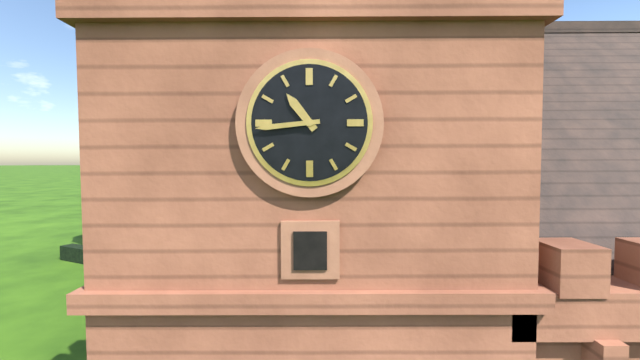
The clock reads 10h44
